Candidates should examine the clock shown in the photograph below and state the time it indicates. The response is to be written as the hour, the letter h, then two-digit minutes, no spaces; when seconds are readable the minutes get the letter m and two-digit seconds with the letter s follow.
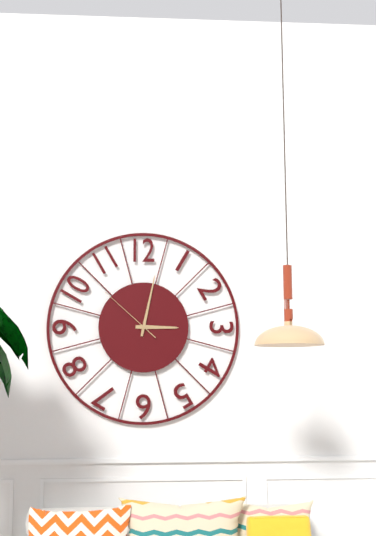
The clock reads 3h02m52s
